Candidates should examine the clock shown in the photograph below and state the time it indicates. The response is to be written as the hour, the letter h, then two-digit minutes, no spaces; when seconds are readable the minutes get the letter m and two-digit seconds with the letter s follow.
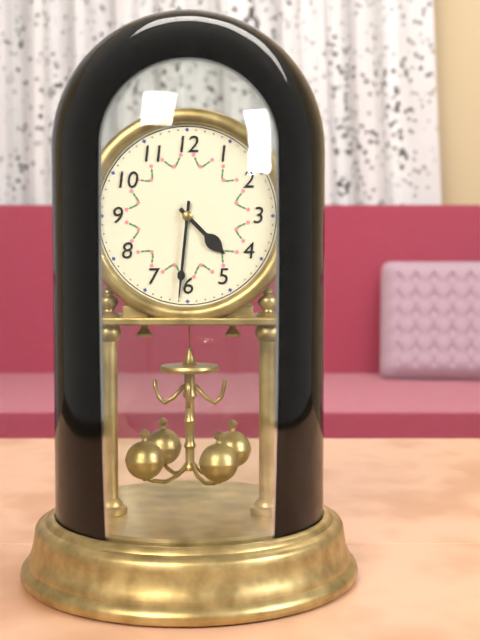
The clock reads 4h31
